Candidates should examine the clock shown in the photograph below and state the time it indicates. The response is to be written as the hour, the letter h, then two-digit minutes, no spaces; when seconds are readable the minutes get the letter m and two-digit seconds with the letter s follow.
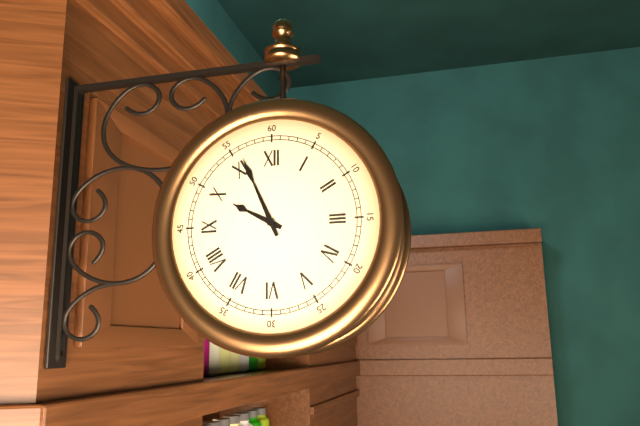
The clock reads 9h56
